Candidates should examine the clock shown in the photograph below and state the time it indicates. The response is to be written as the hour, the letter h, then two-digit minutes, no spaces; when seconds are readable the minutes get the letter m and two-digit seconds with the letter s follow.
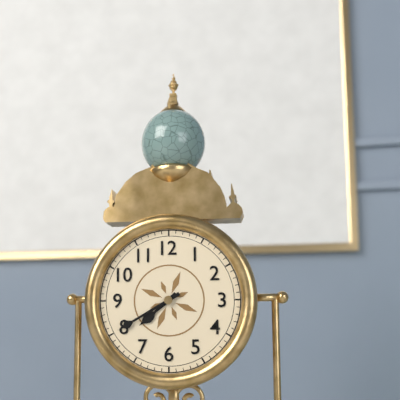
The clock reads 7h40
